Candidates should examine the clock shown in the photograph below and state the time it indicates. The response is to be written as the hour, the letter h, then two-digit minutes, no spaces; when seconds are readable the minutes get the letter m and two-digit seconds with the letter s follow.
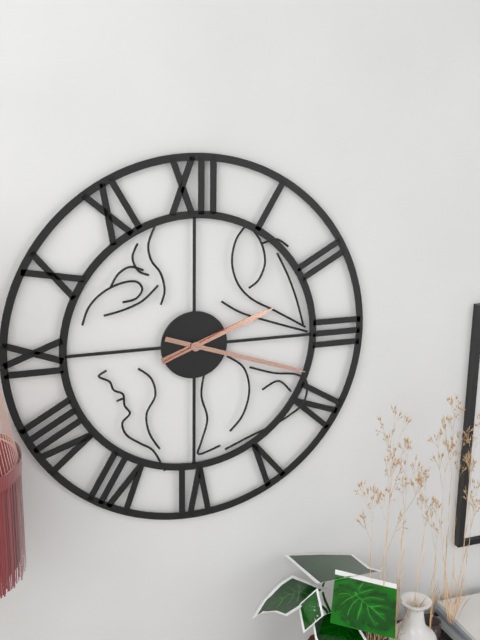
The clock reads 2h18m11s
